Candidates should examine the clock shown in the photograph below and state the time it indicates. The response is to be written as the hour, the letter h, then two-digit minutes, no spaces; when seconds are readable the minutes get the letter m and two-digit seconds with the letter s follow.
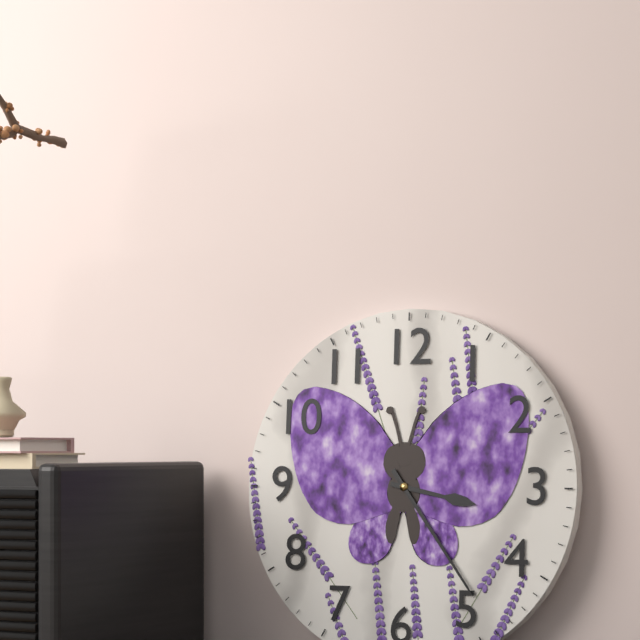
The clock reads 3h24
